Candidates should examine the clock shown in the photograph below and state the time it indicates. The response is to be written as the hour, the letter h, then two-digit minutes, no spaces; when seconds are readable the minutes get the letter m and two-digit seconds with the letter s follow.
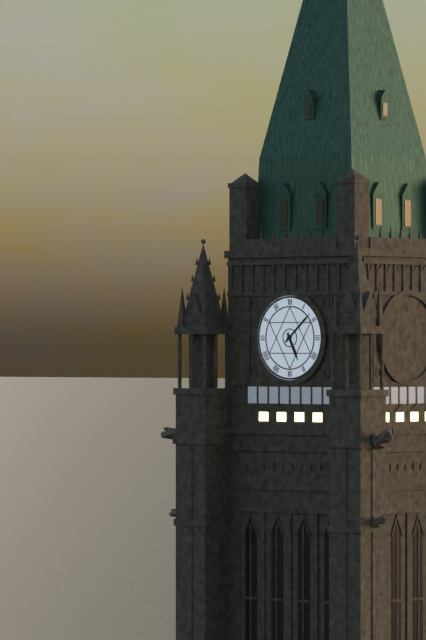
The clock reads 5h08
